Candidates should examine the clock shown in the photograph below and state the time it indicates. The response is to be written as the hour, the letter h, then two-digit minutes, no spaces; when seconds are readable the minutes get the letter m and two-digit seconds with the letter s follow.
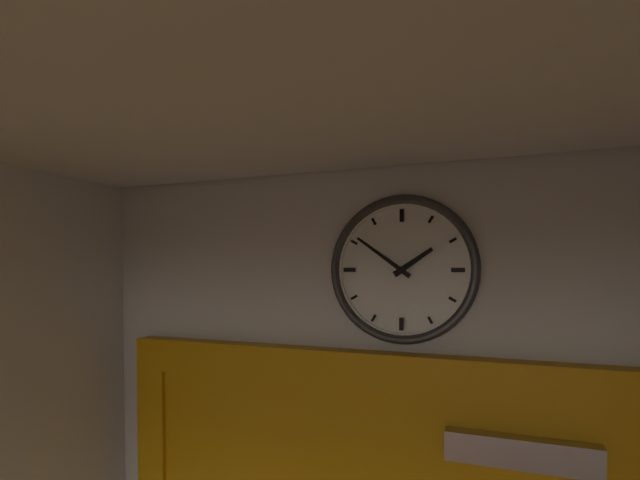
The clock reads 1h51
